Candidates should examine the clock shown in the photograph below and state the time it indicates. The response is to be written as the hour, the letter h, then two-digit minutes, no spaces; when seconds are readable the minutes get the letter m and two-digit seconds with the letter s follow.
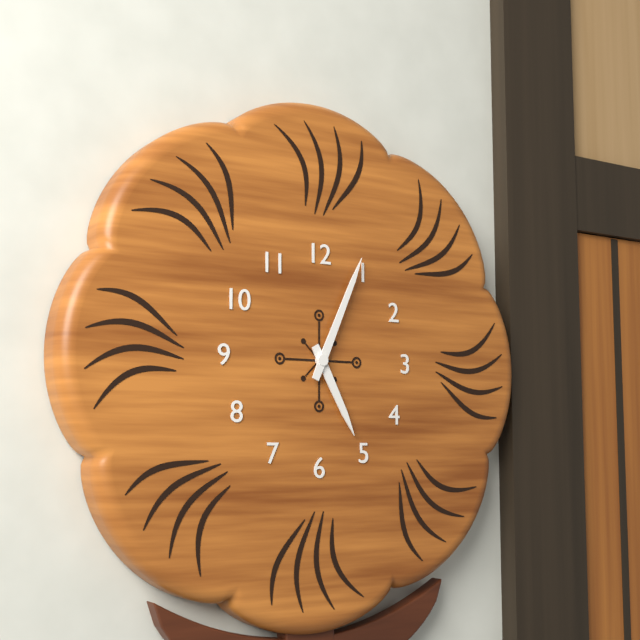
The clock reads 5h04
